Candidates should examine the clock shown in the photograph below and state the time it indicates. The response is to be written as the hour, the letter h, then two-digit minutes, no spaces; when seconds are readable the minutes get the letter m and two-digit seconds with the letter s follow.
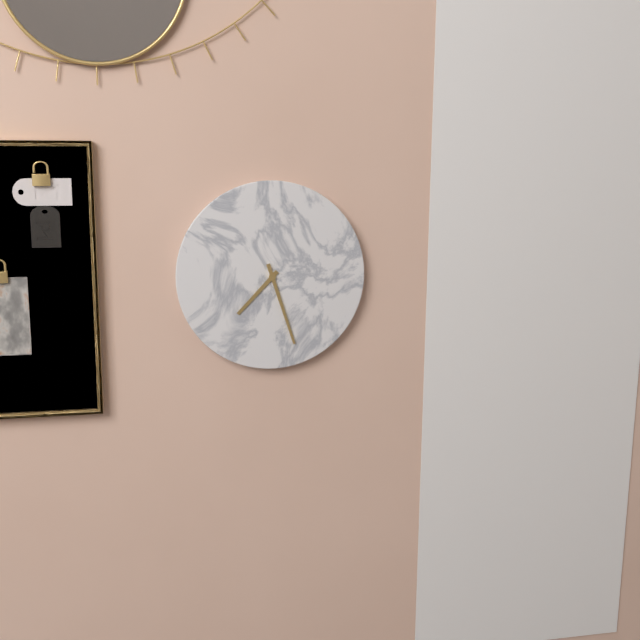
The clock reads 7h27
